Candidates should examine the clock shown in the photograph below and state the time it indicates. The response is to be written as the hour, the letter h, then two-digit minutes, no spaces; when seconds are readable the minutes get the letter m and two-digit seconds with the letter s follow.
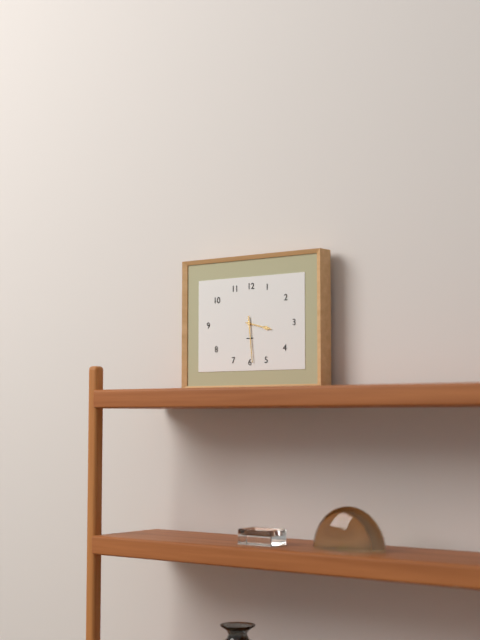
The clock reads 3h29
